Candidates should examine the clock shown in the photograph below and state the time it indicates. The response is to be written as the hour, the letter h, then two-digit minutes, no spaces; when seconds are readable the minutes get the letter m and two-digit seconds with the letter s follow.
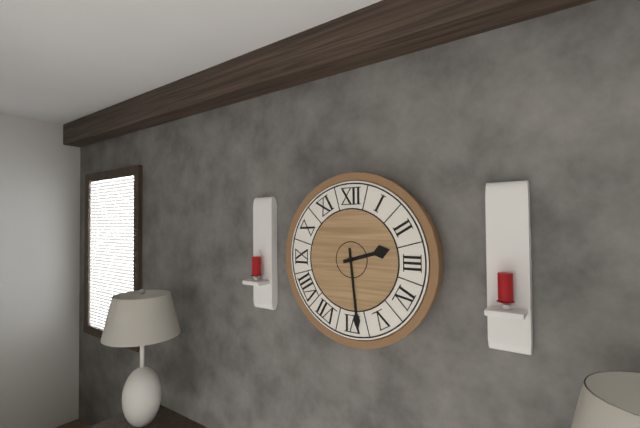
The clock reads 2h29
